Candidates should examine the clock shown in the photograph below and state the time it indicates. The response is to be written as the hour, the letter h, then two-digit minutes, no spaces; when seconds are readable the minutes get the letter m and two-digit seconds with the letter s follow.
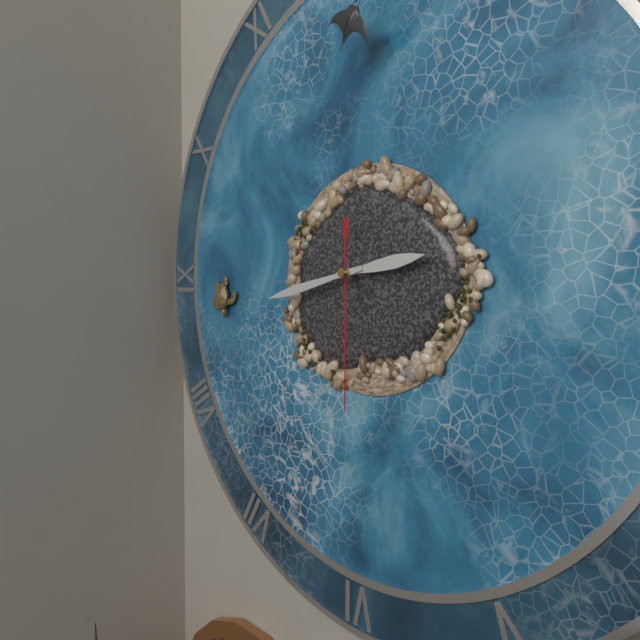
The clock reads 2h43m30s
